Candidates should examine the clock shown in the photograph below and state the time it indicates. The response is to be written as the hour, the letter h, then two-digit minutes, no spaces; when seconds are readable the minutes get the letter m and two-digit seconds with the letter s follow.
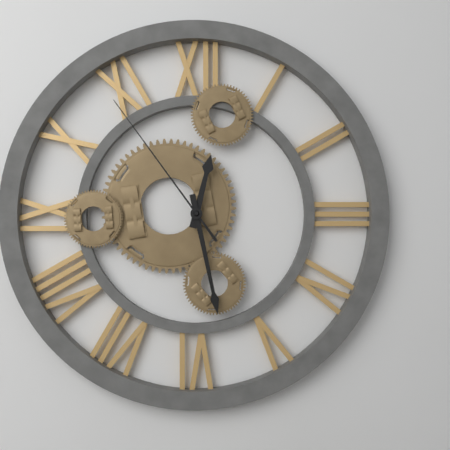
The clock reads 12h28m54s
